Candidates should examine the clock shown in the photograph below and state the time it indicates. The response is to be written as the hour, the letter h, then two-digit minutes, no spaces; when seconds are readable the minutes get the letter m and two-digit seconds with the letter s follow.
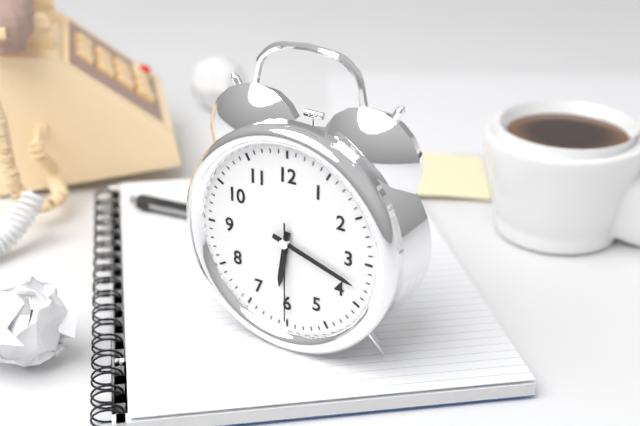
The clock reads 6h18m30s
